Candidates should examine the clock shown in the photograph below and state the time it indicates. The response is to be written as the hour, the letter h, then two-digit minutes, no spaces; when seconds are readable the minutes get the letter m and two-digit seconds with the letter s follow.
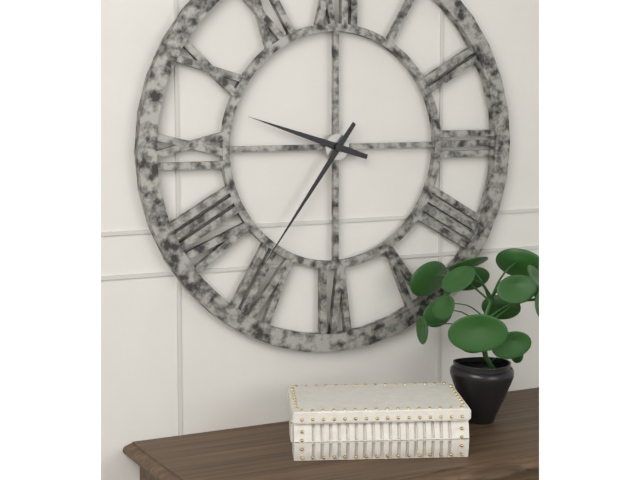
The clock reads 9h36
